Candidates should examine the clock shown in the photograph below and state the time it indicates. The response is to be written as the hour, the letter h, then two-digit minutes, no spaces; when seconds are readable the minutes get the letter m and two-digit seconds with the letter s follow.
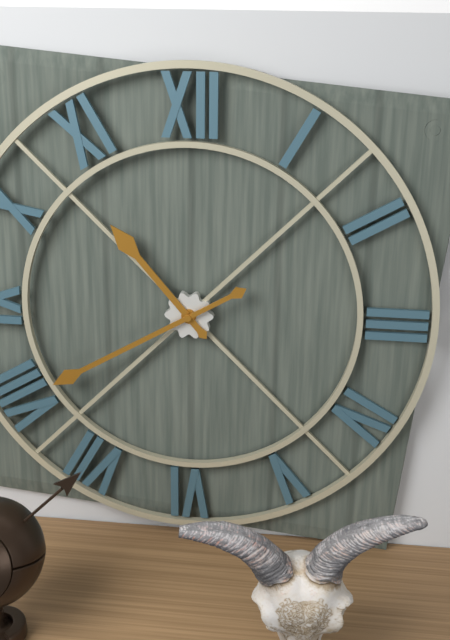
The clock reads 10h40
